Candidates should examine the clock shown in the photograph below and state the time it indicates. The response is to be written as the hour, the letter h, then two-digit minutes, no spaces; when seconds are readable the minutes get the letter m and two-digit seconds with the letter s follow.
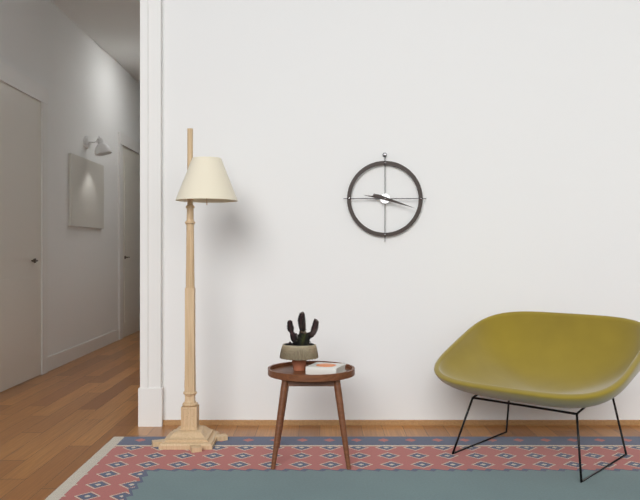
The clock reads 9h18
